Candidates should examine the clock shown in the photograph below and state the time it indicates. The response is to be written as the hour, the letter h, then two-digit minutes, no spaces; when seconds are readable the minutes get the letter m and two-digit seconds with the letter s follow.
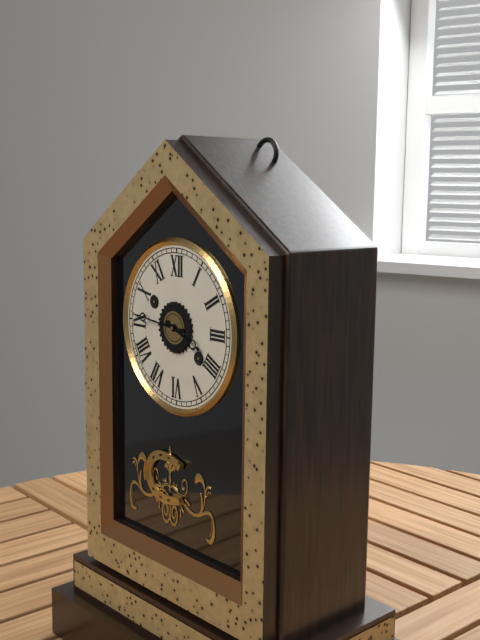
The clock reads 3h46
